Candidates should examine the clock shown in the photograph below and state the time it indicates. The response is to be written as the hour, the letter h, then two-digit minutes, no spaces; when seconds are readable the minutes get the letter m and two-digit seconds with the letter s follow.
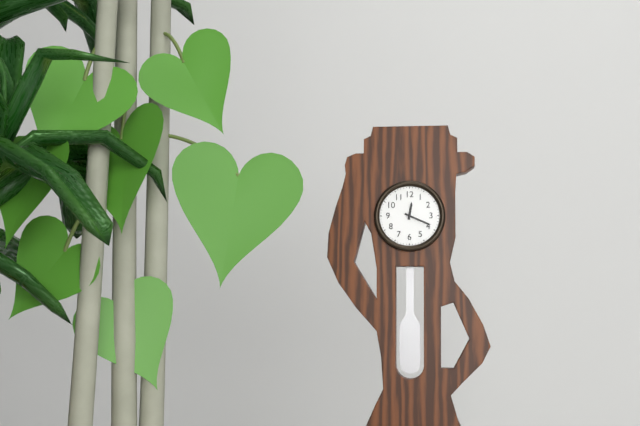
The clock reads 12h19
